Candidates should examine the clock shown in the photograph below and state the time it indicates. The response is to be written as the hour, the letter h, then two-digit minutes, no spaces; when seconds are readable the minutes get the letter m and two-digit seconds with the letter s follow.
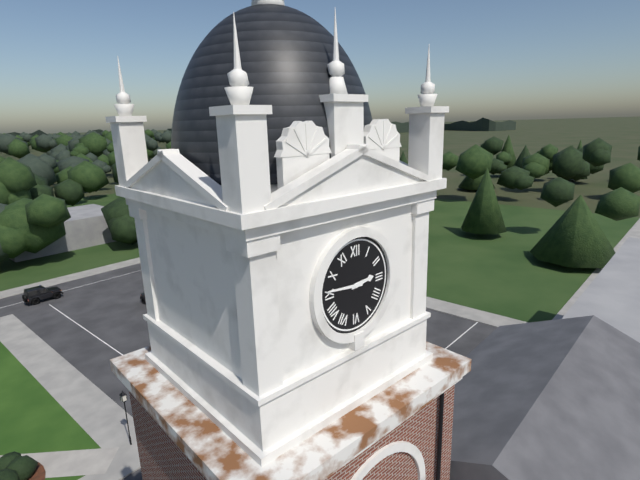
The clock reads 2h46
